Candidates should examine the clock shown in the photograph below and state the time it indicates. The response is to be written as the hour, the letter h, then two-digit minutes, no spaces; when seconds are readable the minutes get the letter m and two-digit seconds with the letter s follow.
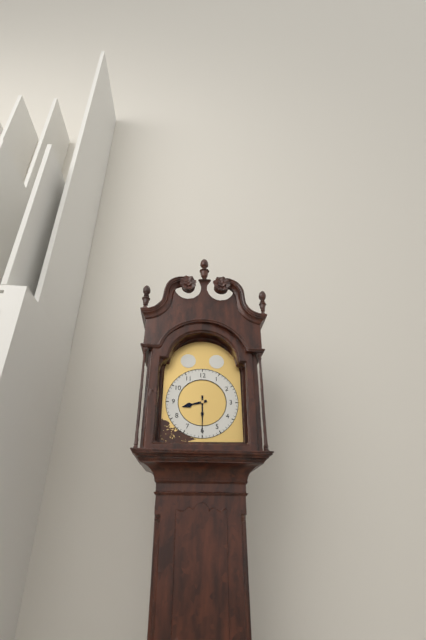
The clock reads 8h30
